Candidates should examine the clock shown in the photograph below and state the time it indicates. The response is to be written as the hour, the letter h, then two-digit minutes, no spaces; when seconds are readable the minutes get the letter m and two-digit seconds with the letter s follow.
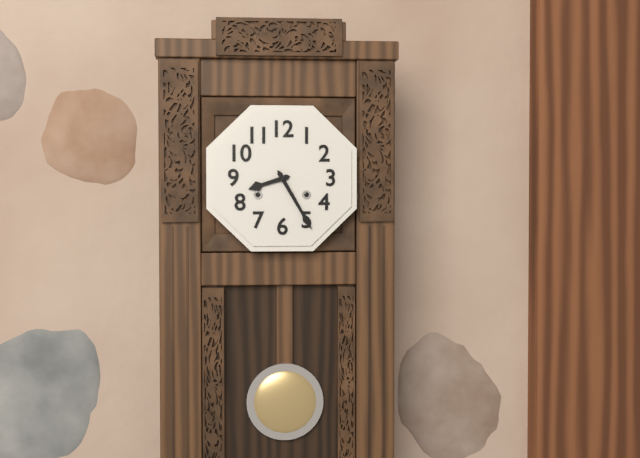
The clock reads 8h25
